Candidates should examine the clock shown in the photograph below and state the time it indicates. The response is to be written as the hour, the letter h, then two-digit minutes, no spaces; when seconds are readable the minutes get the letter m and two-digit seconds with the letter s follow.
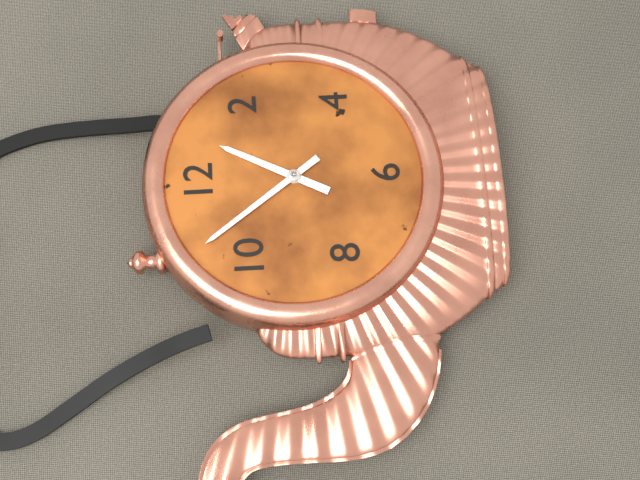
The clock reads 12h54
